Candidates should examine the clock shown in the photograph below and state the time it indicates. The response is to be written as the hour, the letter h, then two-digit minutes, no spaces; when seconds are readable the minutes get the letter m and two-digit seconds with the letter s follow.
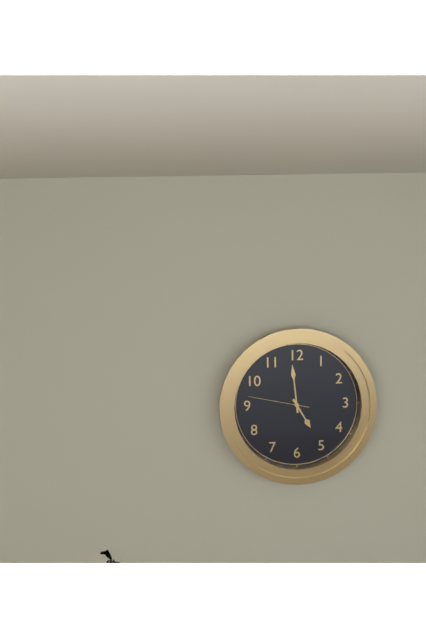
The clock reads 4h59m47s
